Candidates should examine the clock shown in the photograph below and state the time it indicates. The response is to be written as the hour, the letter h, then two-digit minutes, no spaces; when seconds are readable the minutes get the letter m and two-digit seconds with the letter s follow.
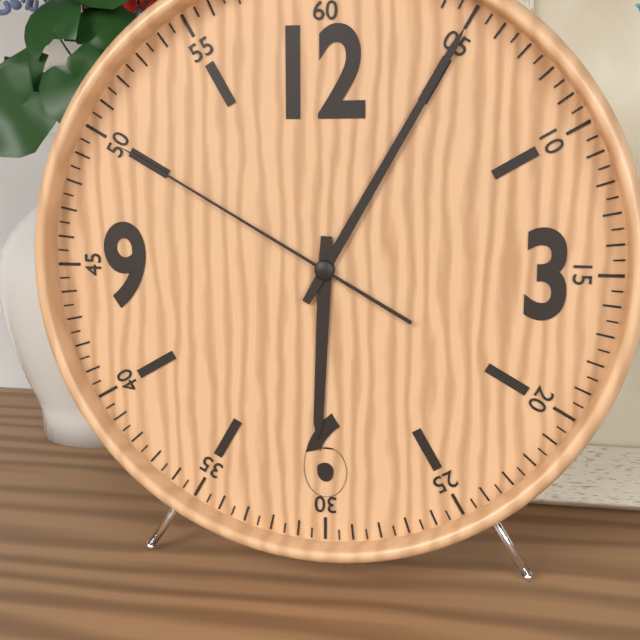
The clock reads 6h05m50s
